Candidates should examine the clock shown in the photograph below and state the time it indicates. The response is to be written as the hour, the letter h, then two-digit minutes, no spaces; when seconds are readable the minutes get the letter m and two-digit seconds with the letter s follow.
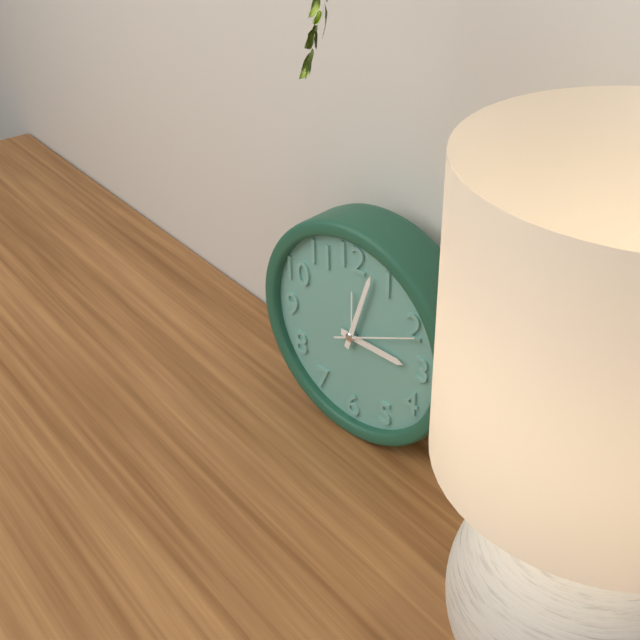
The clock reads 3h03m11s
